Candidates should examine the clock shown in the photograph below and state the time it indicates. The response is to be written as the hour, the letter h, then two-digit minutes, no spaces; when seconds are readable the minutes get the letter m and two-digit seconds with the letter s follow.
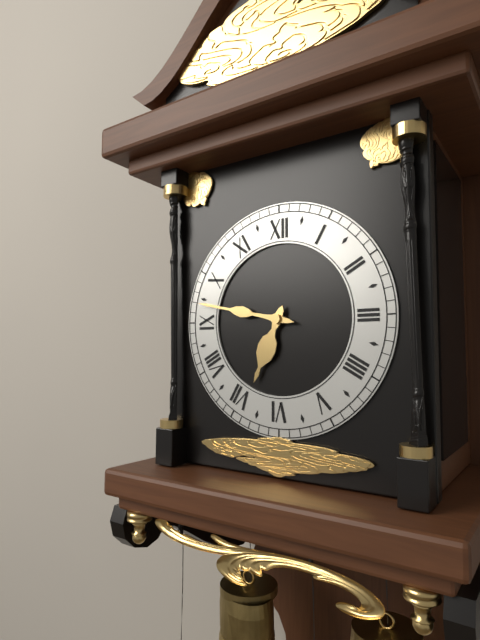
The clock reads 6h47
